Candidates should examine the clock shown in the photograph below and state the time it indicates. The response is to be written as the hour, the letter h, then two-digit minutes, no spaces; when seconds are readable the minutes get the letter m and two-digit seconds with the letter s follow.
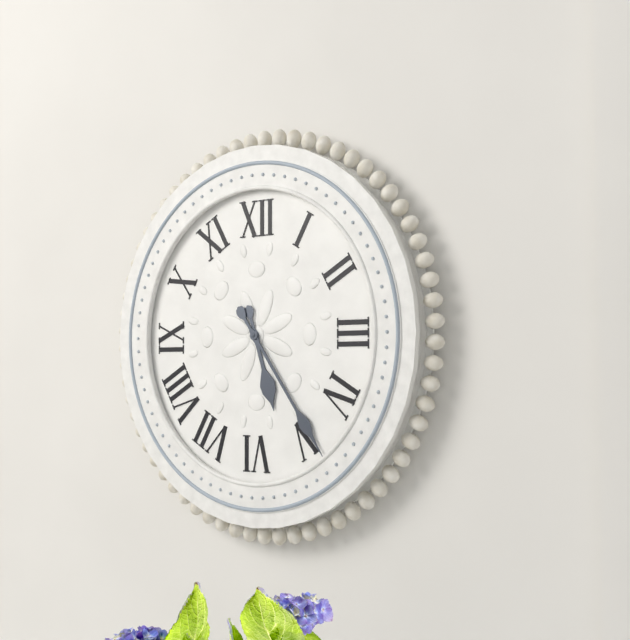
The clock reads 5h24
